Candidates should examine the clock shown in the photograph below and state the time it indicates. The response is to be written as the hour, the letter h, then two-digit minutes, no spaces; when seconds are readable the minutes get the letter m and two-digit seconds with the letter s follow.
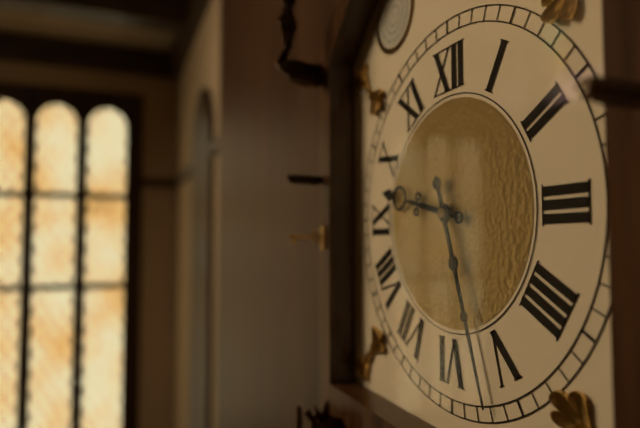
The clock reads 9h27
